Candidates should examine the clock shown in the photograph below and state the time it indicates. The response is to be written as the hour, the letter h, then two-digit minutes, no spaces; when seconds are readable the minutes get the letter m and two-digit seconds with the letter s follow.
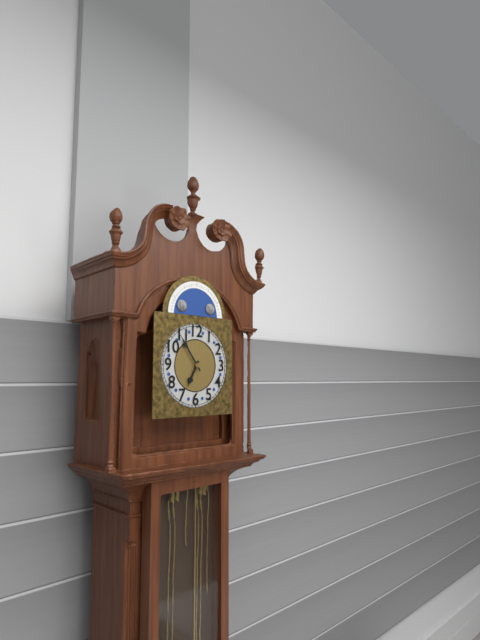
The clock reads 6h54
